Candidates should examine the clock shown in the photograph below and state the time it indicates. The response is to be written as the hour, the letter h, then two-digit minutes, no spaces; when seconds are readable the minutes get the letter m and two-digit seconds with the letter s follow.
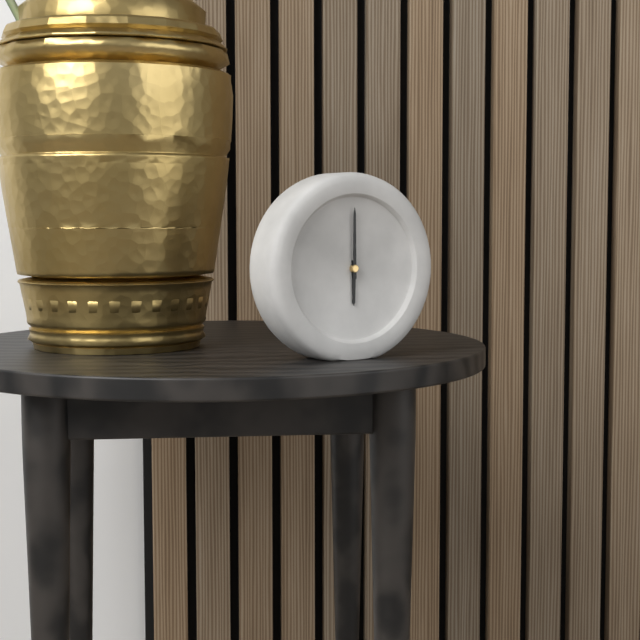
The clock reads 6h00
